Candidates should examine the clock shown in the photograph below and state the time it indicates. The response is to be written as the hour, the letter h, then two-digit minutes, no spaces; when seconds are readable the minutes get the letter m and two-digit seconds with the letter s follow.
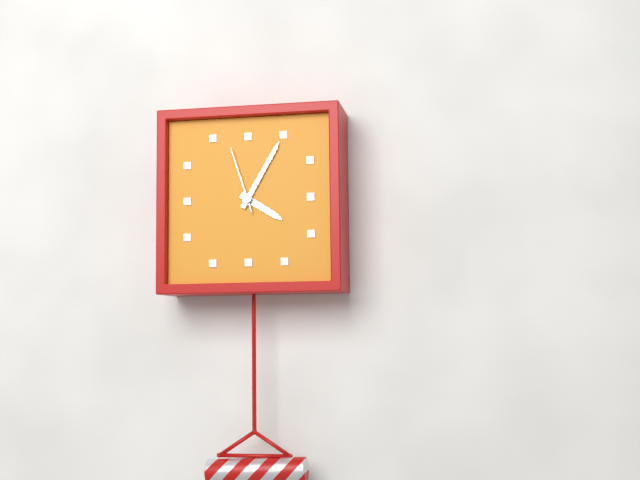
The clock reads 4h05m57s
